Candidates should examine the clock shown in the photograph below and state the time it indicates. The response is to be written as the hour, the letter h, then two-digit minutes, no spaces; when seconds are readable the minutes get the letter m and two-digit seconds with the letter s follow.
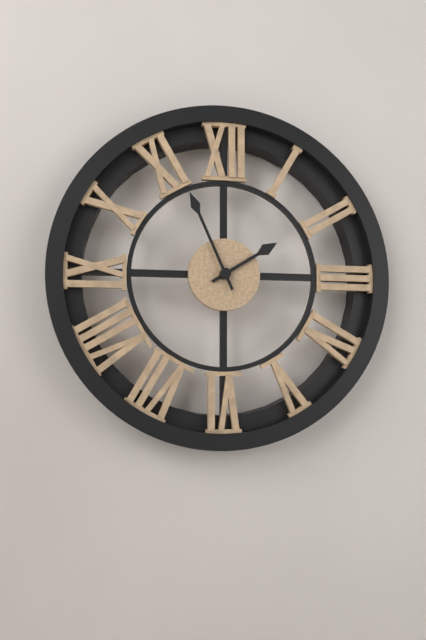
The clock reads 1h56
